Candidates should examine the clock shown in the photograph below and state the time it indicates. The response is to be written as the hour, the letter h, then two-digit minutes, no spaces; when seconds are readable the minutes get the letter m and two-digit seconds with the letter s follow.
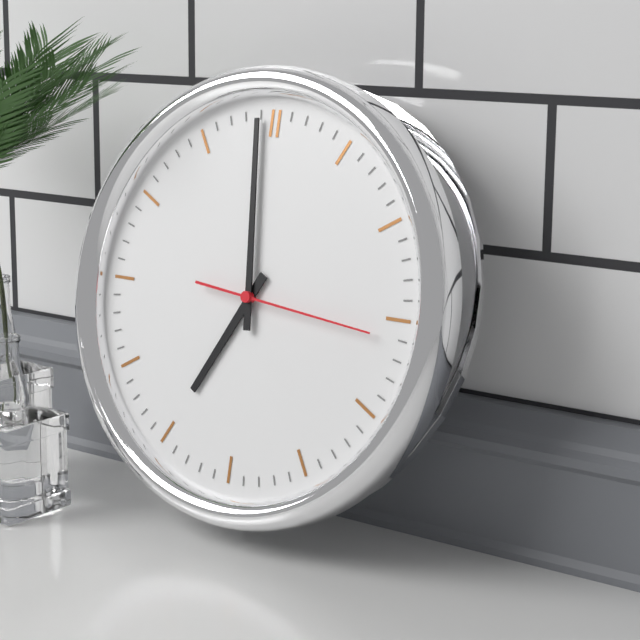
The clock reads 6h59m16s
